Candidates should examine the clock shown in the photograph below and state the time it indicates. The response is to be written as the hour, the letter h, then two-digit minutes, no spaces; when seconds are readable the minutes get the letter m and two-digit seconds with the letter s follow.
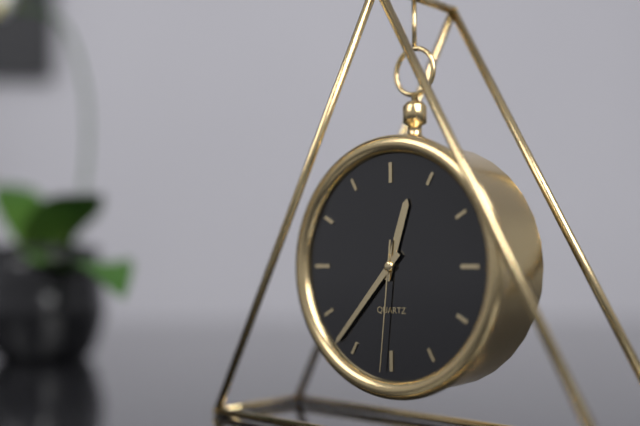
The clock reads 12h37m31s
